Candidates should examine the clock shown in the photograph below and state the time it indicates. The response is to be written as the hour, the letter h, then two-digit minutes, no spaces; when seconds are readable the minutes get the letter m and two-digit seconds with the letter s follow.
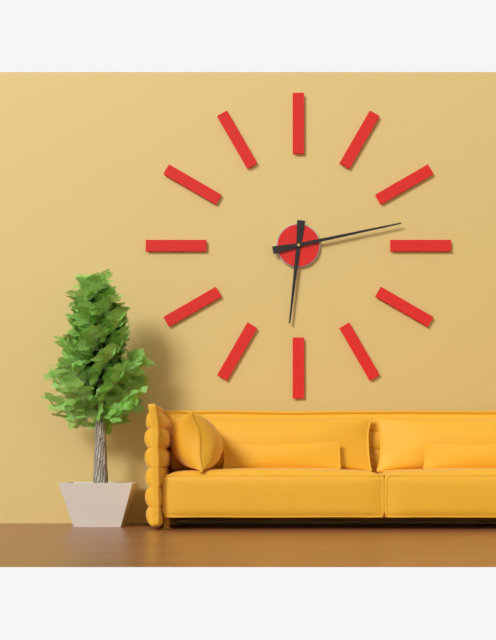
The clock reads 6h13
